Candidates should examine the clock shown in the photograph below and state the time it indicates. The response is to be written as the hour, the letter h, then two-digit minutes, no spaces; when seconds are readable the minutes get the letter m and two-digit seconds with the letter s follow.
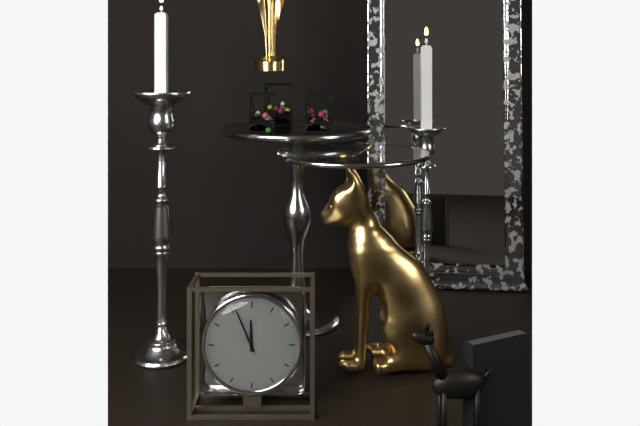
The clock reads 11h56
